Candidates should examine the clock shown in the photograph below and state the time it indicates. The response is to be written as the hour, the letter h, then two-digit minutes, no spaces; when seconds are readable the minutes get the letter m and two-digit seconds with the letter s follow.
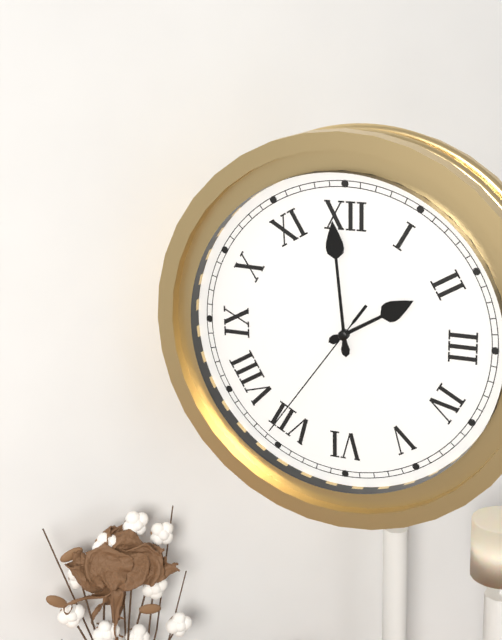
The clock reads 1h59m36s
